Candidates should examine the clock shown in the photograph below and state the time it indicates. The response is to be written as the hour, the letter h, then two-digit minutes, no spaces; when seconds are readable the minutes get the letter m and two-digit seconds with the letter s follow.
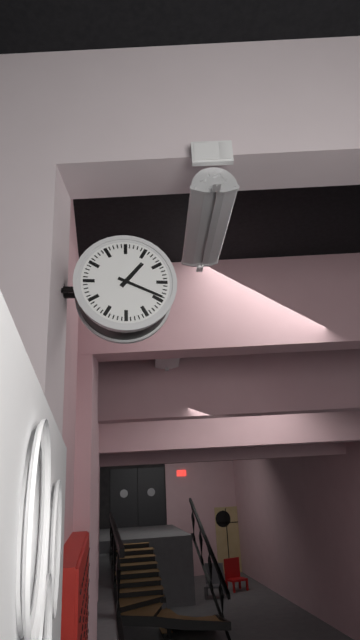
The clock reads 1h19
